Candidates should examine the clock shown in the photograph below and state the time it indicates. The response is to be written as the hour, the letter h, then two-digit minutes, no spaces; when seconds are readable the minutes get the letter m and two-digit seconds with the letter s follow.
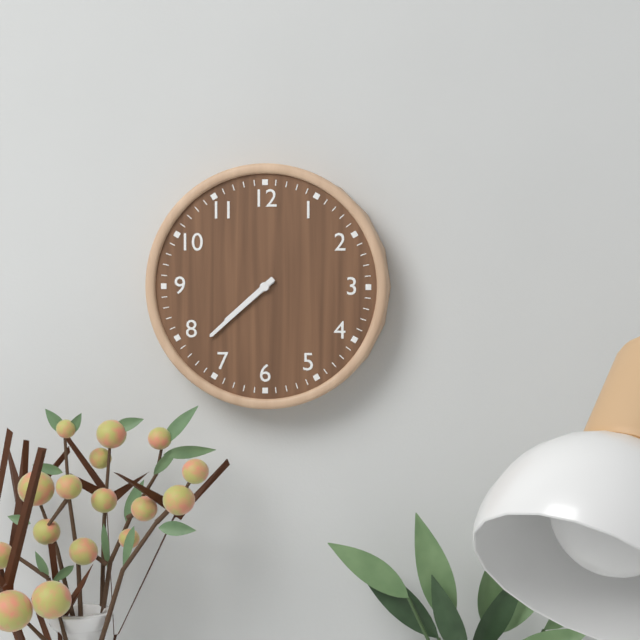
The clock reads 7h38
